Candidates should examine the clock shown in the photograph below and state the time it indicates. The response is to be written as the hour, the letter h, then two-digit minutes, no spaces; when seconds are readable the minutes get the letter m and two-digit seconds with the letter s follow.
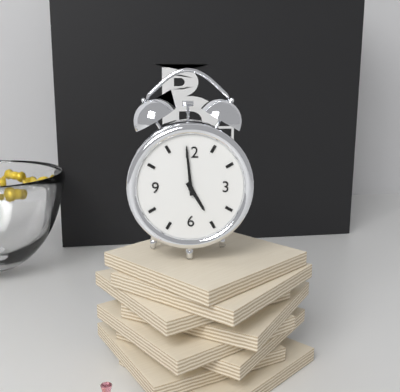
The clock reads 4h59
